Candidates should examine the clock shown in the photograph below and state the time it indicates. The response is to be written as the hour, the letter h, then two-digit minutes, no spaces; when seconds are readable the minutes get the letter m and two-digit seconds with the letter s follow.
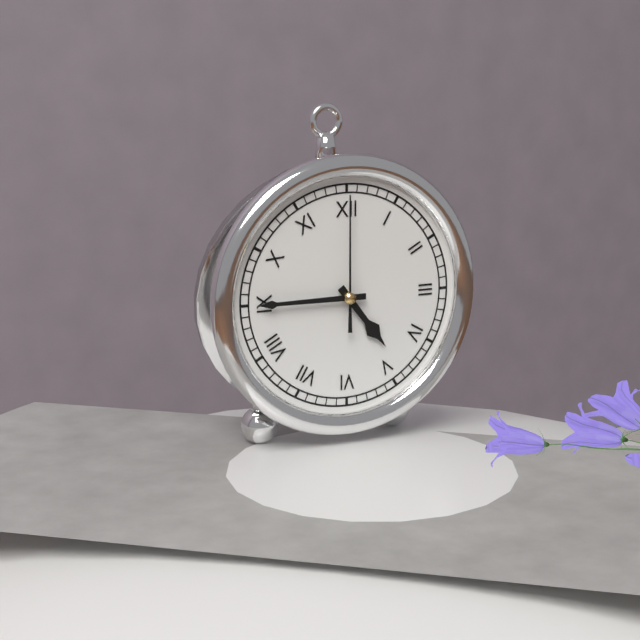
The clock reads 4h45m00s
